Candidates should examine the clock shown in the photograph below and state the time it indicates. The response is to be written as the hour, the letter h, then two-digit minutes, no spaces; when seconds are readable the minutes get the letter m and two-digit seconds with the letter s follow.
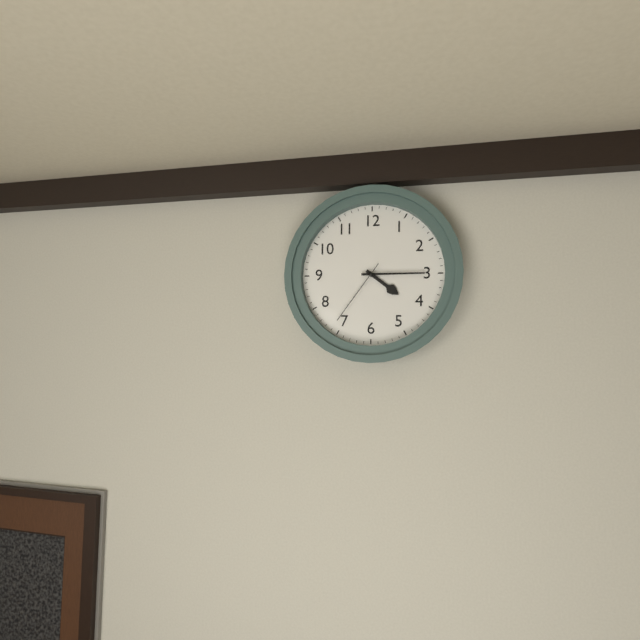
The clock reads 4h15m36s
